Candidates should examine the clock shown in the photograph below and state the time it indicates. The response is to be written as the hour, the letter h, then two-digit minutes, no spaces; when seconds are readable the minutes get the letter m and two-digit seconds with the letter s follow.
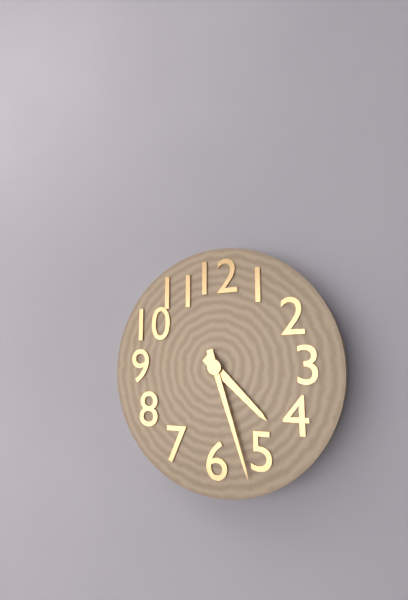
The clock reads 4h27
